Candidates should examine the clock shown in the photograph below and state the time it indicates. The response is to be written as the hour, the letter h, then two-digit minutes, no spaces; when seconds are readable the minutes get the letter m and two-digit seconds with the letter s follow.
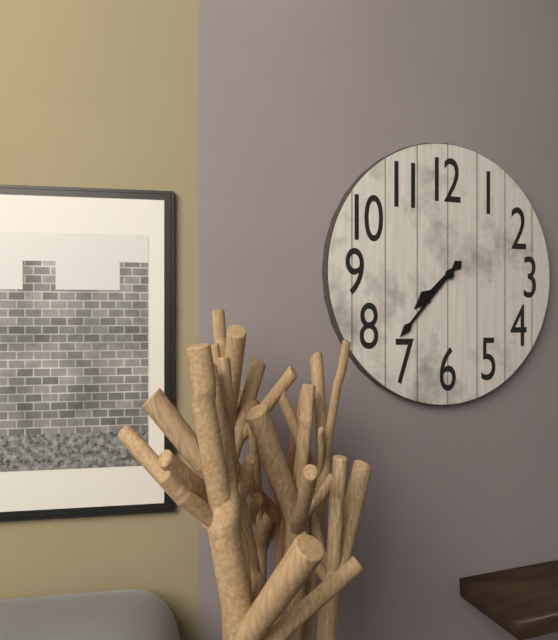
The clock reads 7h37
